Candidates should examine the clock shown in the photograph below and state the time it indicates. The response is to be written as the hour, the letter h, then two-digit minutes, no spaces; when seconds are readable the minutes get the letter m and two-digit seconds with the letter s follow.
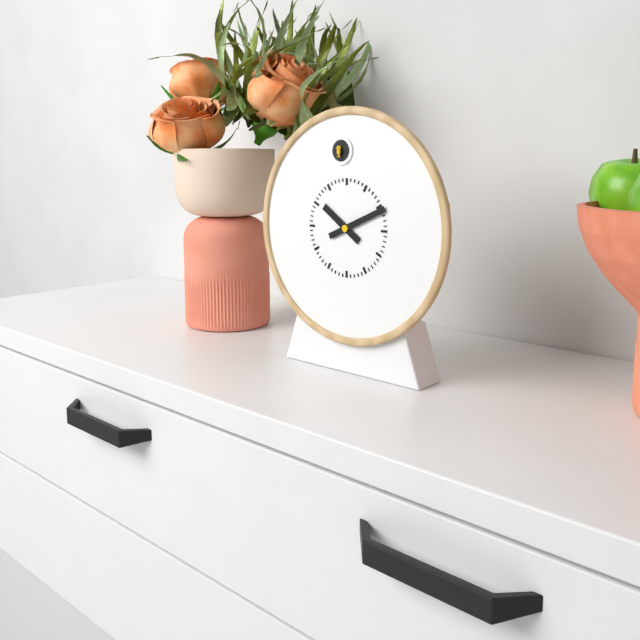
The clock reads 10h11
